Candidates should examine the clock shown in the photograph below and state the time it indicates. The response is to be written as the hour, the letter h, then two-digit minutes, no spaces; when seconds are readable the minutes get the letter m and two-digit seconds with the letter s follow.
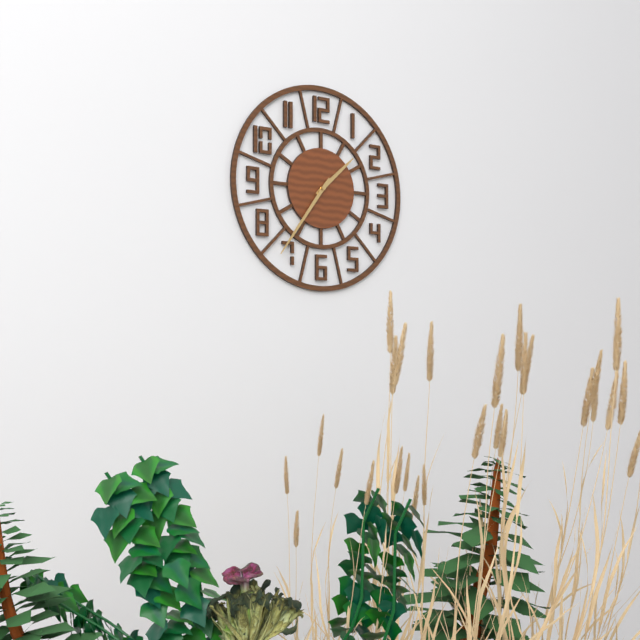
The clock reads 1h36
